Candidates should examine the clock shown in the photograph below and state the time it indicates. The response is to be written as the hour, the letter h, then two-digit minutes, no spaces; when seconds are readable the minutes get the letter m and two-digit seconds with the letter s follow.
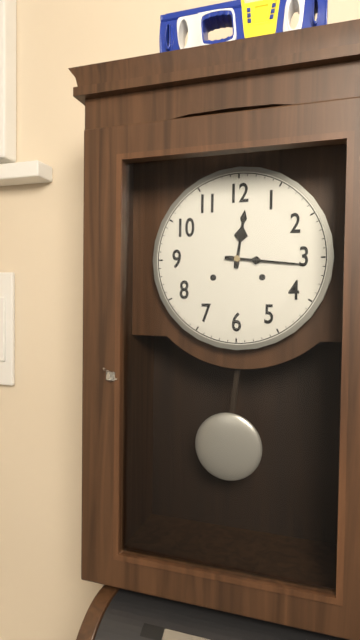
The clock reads 12h16
